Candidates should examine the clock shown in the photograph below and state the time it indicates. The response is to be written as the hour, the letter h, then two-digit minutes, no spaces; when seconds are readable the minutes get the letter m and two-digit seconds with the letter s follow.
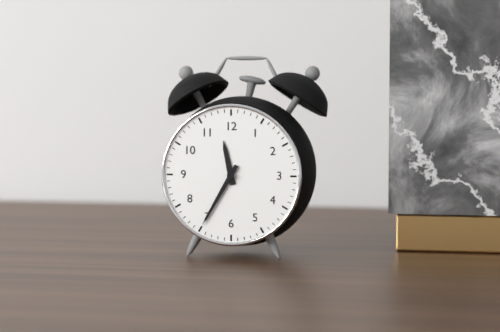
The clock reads 11h35
